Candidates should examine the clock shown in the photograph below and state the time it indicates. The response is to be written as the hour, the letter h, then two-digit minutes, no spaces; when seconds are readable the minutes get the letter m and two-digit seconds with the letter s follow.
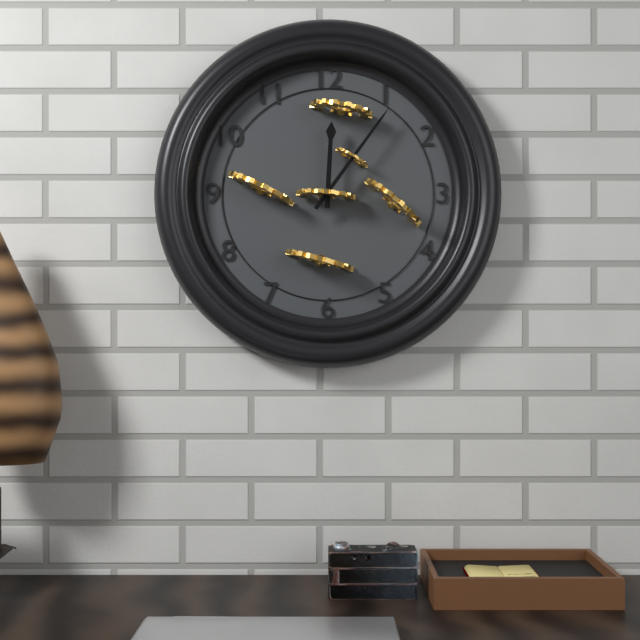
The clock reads 12h06
